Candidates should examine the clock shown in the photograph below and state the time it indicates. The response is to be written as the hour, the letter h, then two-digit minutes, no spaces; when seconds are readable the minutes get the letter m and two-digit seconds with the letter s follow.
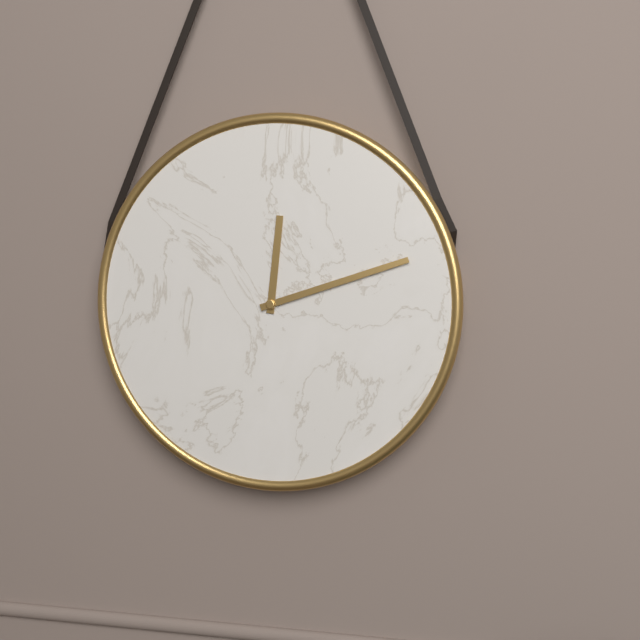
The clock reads 12h12
